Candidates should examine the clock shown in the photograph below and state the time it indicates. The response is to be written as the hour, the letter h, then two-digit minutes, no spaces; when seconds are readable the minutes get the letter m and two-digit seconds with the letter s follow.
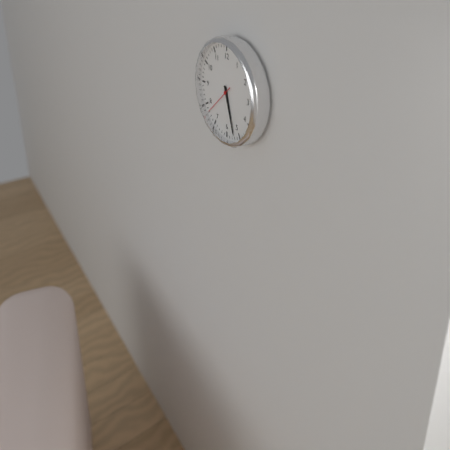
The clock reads 5h27
